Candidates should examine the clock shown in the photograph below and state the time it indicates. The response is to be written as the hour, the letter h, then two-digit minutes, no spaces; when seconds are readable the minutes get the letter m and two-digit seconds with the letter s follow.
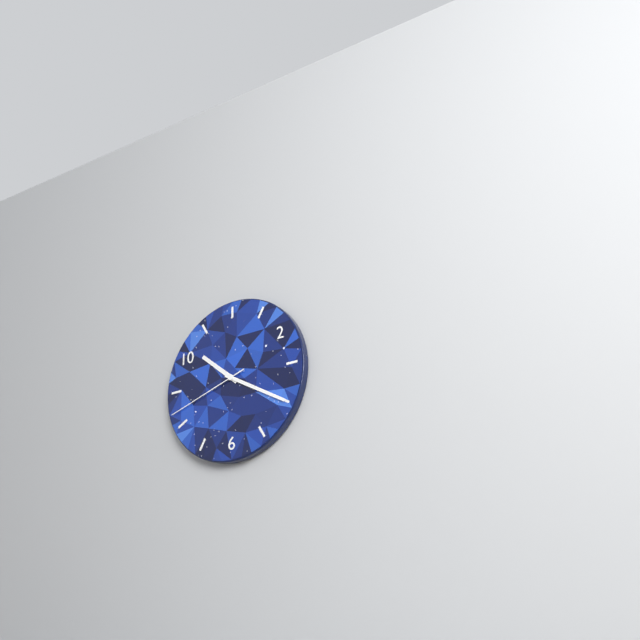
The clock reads 10h20m42s
